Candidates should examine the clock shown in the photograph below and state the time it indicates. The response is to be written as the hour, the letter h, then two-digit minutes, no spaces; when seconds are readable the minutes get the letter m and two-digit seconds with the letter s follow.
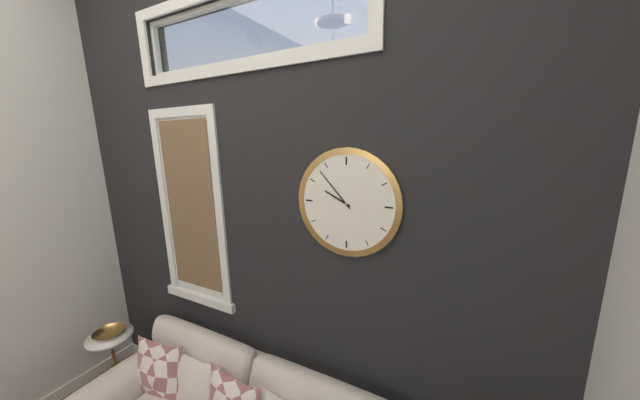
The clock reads 9h53
